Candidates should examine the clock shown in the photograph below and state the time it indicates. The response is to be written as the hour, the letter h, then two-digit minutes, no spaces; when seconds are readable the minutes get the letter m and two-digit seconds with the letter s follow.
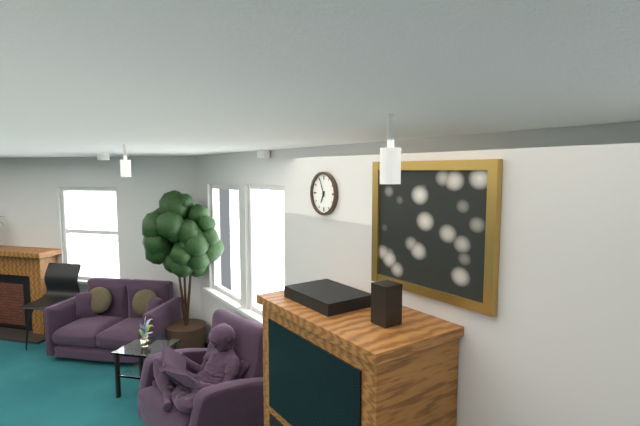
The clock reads 6h56
